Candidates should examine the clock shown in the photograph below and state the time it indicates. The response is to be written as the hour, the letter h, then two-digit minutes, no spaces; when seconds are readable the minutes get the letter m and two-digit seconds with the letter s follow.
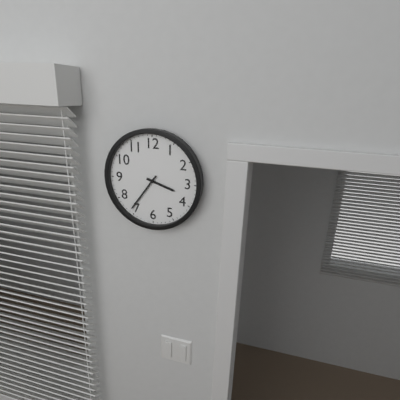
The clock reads 3h36
